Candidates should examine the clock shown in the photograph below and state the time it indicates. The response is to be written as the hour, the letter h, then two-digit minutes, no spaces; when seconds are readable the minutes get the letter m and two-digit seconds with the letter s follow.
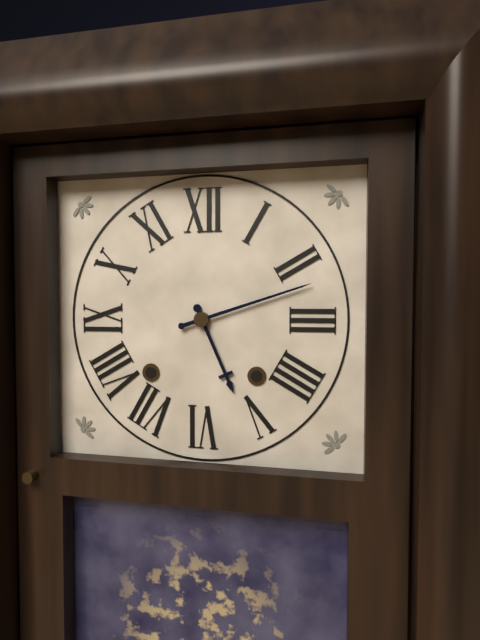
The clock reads 5h12
